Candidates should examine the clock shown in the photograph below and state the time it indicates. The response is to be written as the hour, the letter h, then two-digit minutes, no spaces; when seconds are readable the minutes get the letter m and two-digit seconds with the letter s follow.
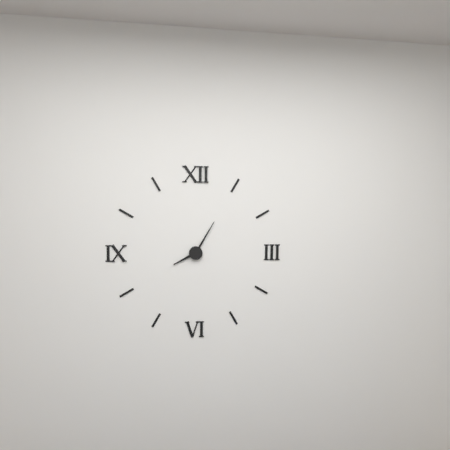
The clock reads 8h05
